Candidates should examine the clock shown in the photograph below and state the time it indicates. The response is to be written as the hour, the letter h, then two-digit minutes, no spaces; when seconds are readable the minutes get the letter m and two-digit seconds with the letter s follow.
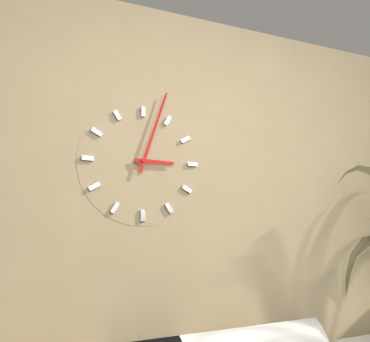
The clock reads 3h03
